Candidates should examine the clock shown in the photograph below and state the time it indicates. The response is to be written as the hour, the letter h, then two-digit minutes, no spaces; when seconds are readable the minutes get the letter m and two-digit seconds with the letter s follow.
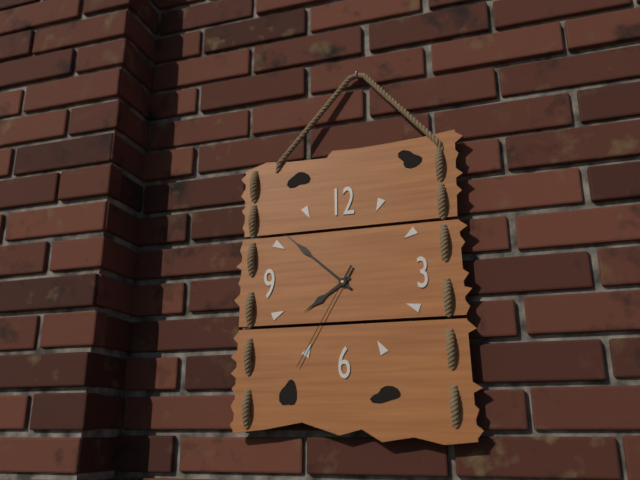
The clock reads 7h52m35s
